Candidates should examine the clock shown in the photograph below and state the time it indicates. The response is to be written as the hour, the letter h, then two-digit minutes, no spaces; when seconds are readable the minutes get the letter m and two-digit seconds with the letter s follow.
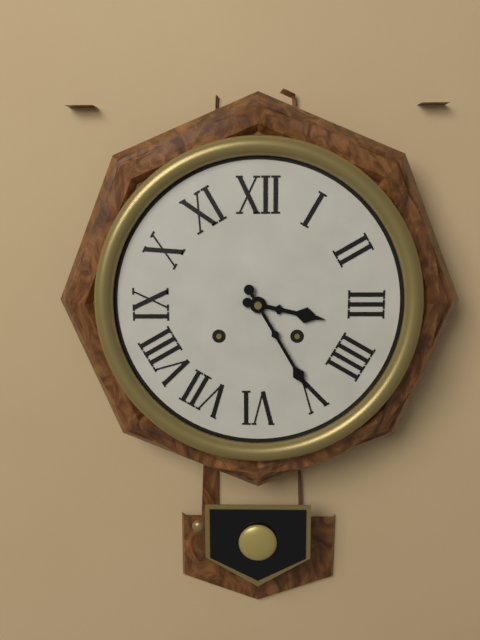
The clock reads 3h25
